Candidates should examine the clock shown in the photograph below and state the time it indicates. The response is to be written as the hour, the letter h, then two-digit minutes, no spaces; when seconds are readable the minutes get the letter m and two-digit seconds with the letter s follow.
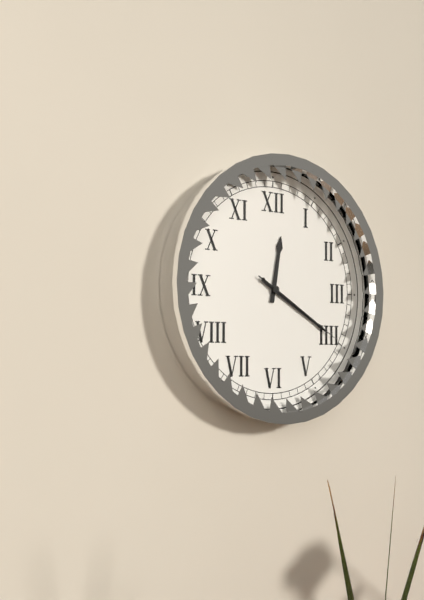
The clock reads 12h20m20s
